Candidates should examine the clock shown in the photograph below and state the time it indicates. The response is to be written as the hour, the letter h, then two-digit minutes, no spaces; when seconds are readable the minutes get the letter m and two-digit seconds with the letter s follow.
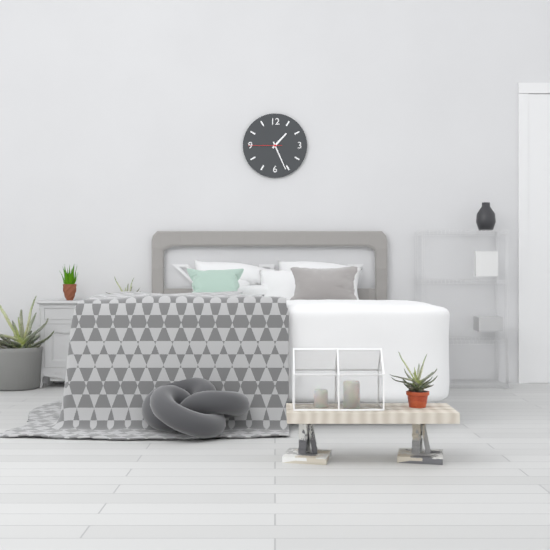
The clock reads 1h26
